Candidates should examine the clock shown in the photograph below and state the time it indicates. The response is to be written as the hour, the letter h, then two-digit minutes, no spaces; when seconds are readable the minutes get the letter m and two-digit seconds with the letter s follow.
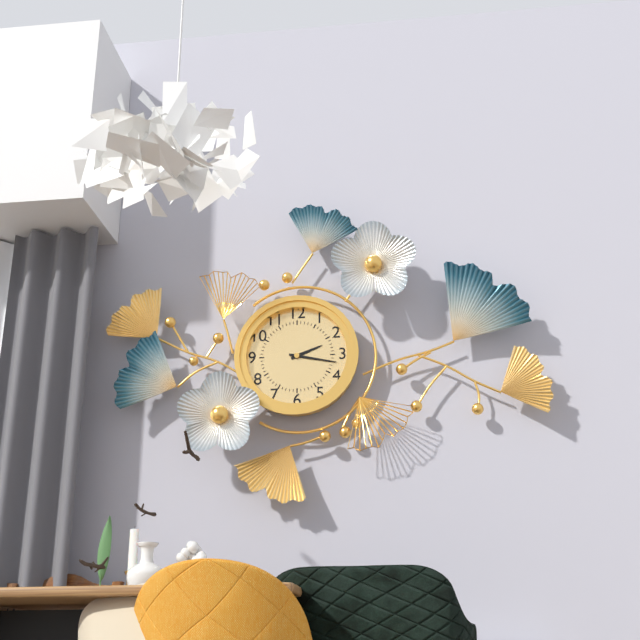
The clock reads 2h17
